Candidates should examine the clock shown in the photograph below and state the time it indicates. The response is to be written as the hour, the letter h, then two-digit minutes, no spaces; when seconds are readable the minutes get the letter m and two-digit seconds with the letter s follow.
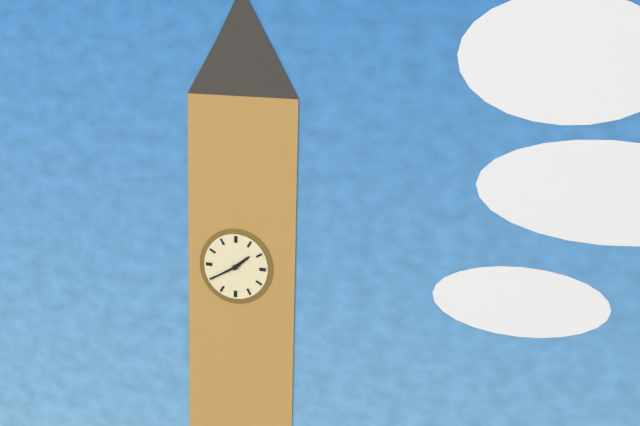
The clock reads 1h40
